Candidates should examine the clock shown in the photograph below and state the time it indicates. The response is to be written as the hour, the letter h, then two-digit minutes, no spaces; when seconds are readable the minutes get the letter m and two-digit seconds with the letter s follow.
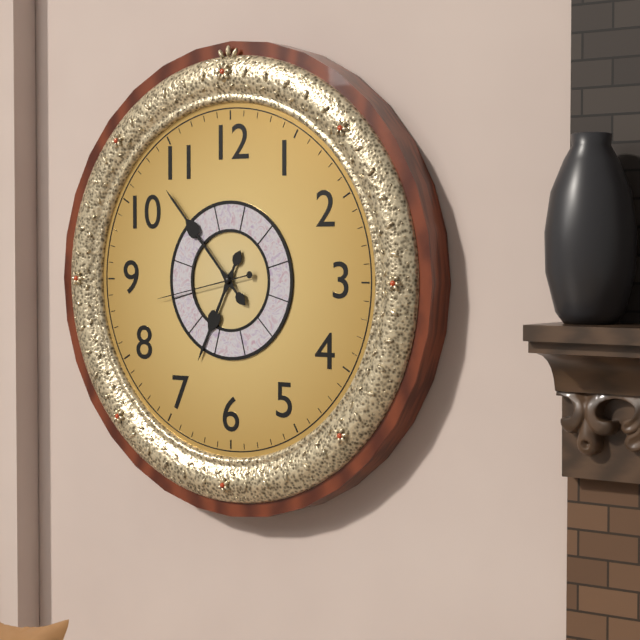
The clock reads 6h53m43s
